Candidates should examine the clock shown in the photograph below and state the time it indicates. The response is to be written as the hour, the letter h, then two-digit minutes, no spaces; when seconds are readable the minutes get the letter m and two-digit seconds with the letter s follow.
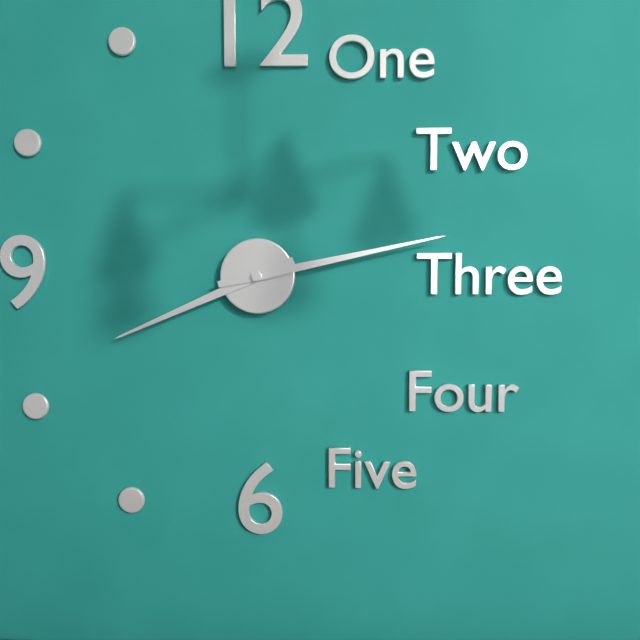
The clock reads 8h13
